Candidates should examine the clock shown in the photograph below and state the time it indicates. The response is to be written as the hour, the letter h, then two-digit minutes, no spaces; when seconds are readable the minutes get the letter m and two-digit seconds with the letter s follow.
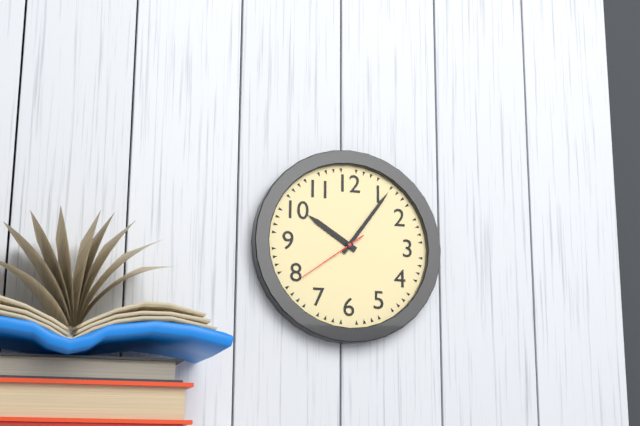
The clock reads 10h06m39s
